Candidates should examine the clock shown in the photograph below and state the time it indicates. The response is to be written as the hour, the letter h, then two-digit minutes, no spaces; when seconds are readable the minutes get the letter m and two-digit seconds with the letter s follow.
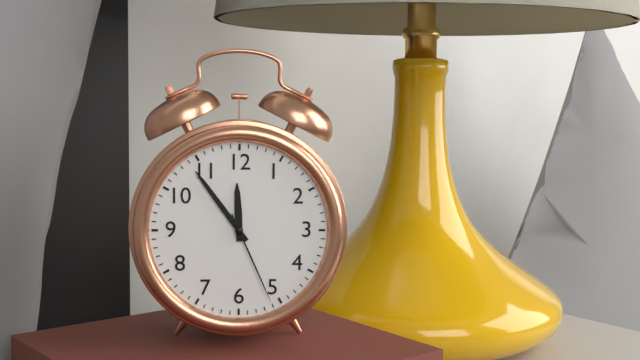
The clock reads 11h54m26s
